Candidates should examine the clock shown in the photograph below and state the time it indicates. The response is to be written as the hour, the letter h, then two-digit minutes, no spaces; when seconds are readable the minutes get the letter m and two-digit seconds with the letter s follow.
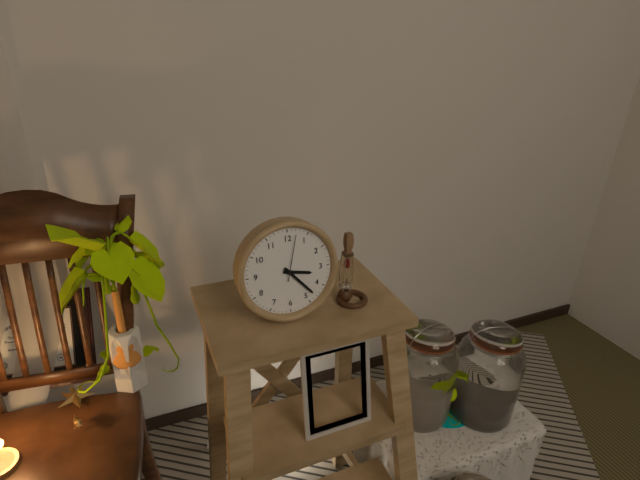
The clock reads 3h23
